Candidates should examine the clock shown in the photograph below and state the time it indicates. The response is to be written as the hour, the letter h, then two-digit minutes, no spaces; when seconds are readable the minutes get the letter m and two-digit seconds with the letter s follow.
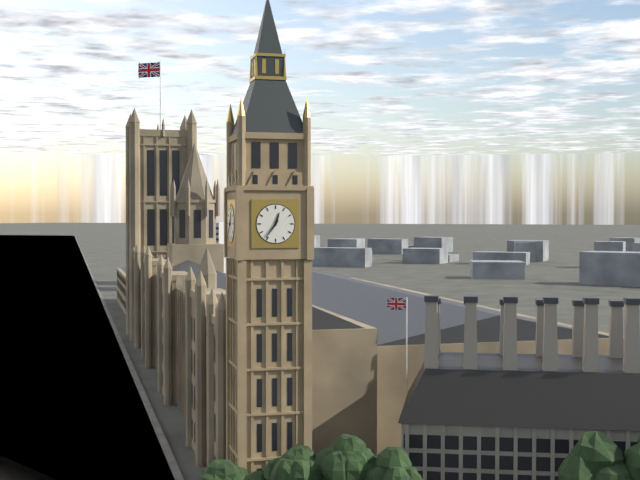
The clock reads 12h36
